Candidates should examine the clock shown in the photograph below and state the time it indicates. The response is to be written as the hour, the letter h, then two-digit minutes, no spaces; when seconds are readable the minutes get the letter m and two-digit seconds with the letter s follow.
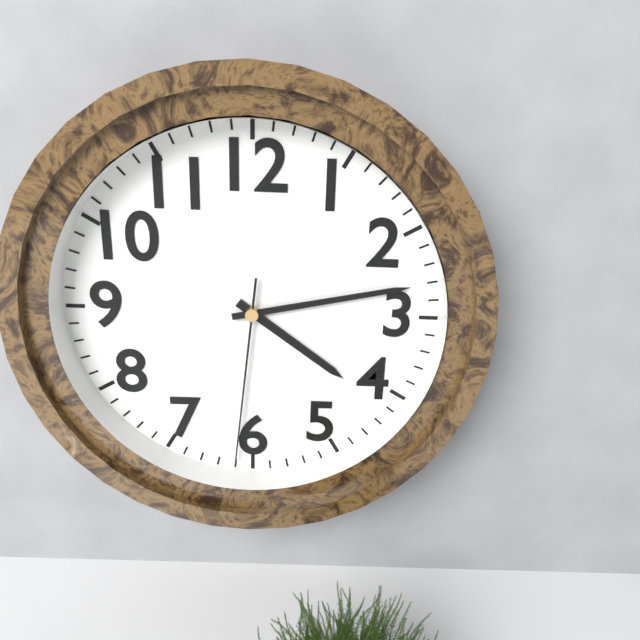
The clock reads 4h13m31s
